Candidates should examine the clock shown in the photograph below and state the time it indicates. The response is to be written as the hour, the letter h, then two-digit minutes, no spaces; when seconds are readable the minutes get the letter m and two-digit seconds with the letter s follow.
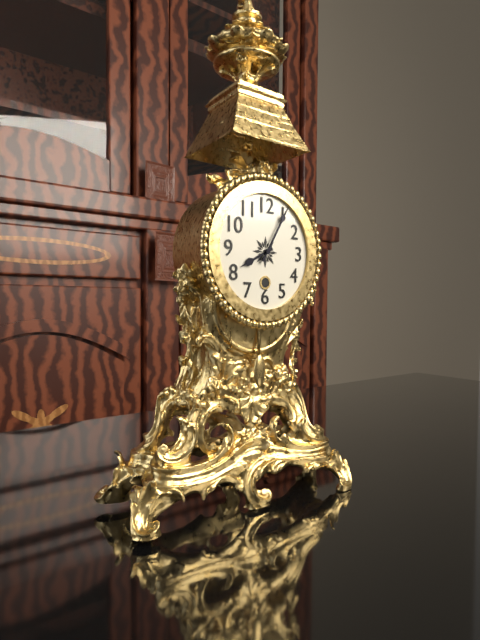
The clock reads 8h05
